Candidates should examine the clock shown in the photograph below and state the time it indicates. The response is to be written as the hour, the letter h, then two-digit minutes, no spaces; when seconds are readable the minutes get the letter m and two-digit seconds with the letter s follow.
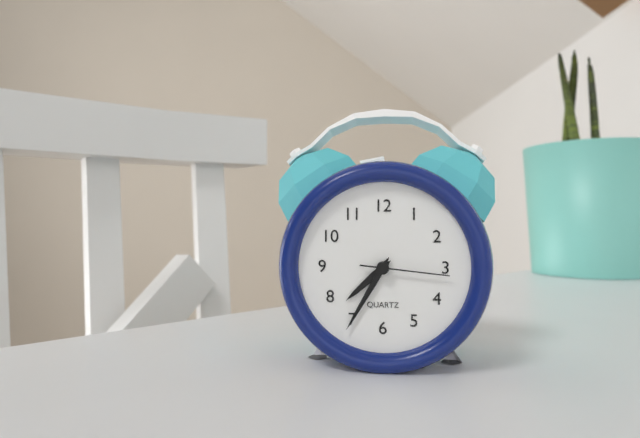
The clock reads 7h35m16s
